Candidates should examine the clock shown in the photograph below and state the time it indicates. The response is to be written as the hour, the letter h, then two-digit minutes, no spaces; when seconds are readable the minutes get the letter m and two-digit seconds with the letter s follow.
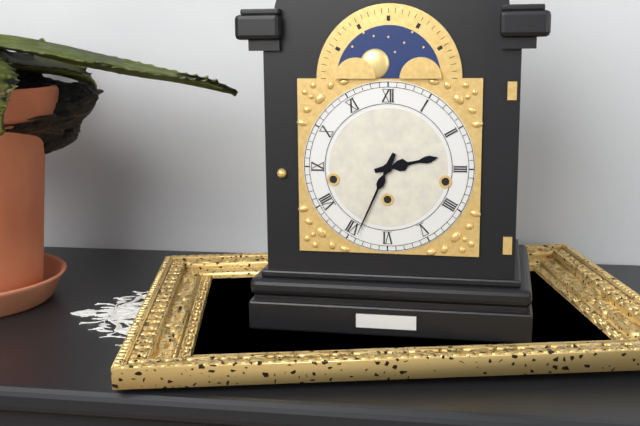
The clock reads 2h34
